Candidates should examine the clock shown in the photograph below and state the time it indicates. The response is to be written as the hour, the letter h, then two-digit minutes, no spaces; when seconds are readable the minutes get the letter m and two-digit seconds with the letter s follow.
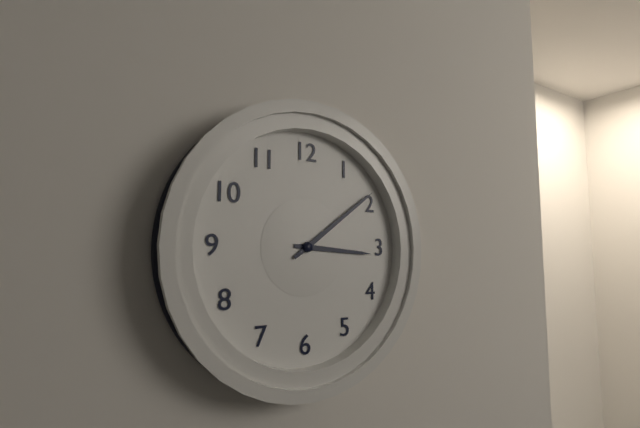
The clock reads 3h09
